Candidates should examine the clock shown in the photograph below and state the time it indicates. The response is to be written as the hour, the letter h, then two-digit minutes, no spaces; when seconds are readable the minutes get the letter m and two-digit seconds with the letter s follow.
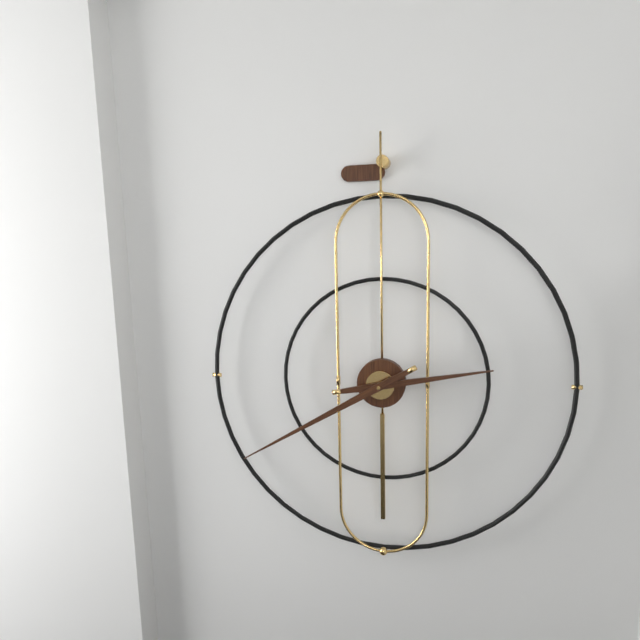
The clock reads 2h40
